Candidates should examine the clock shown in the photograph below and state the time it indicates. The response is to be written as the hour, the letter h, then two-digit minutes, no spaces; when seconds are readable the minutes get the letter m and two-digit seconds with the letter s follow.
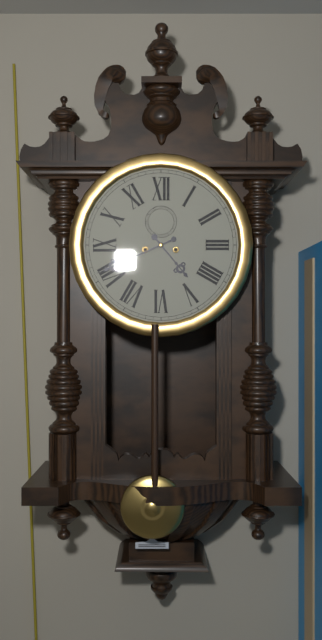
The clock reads 4h41
